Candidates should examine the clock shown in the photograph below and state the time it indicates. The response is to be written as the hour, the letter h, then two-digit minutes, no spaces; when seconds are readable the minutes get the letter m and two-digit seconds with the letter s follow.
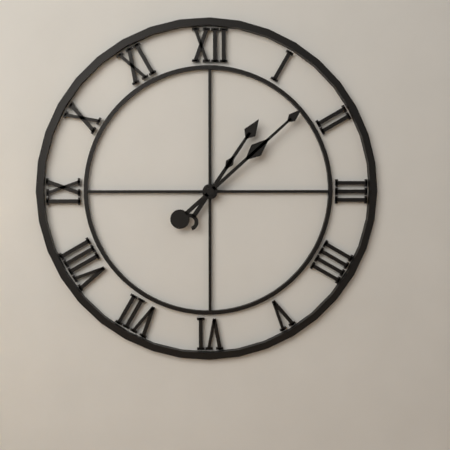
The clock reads 1h08
